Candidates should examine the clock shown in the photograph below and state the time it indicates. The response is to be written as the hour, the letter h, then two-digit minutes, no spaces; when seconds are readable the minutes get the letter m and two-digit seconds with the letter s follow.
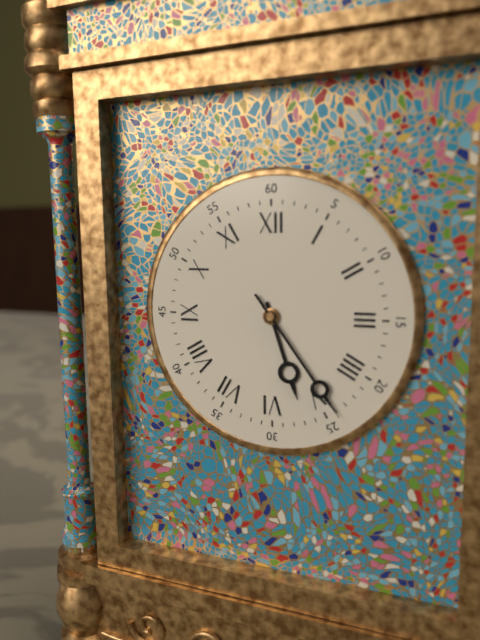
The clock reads 5h24
